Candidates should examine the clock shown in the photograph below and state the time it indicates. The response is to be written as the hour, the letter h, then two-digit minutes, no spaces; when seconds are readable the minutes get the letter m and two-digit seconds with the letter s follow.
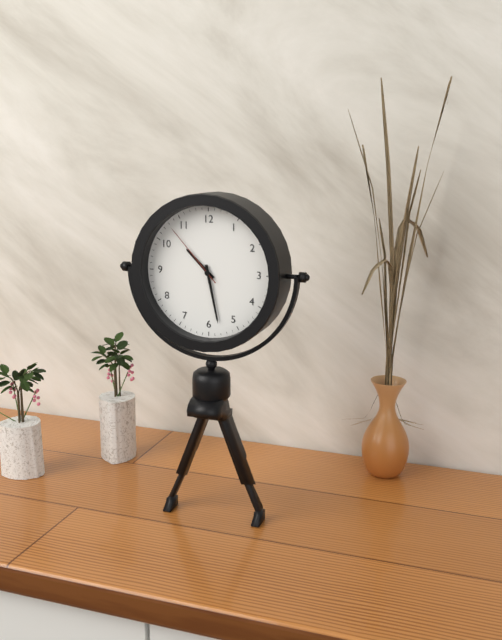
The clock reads 10h28m53s
